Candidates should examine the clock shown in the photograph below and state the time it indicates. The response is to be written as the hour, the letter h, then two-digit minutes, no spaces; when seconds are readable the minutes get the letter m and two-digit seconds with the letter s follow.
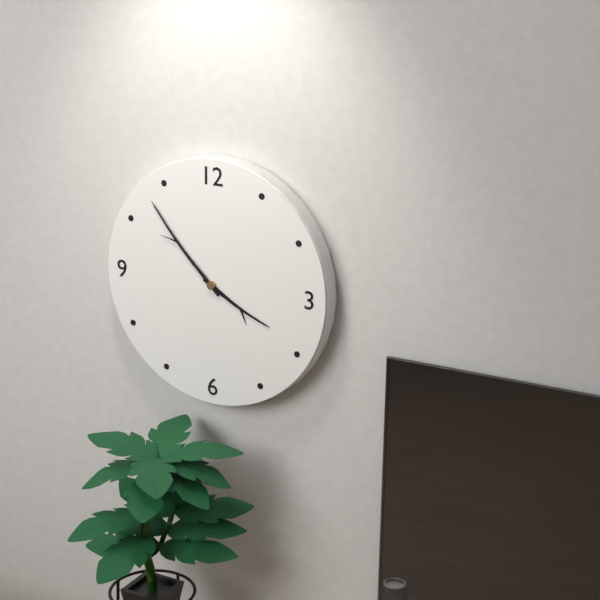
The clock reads 3h53
